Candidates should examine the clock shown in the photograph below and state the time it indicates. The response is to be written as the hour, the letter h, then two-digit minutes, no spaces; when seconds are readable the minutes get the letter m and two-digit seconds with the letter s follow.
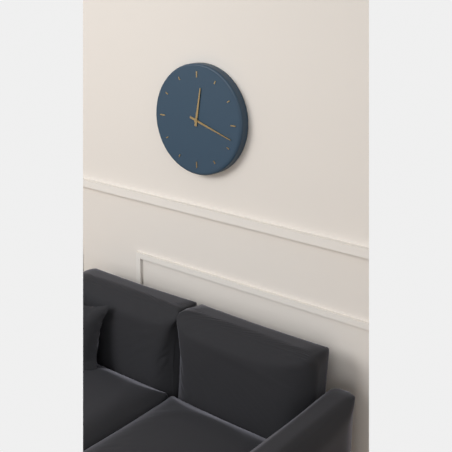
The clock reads 12h18
